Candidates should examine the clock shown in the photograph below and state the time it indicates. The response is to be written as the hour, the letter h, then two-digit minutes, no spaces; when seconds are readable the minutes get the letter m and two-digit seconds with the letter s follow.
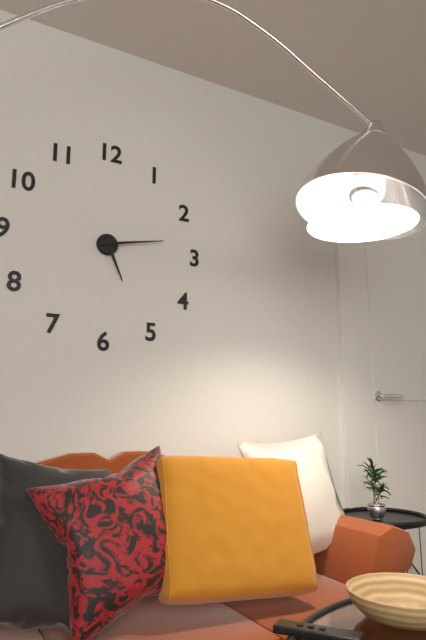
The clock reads 5h13
